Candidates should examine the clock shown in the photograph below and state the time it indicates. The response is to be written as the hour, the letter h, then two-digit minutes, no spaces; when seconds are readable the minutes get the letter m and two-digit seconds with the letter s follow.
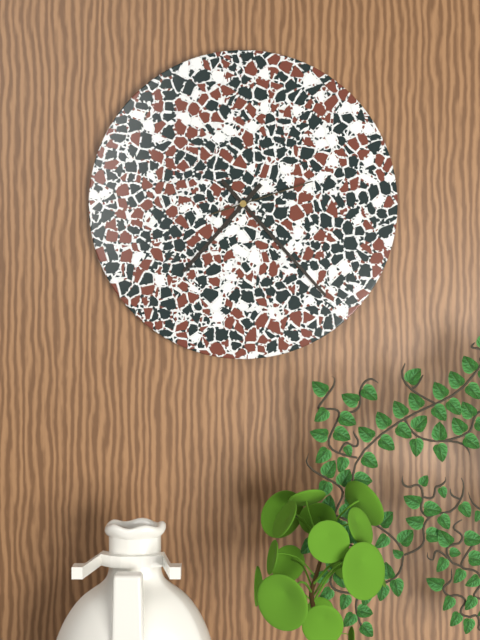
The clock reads 7h23m12s
